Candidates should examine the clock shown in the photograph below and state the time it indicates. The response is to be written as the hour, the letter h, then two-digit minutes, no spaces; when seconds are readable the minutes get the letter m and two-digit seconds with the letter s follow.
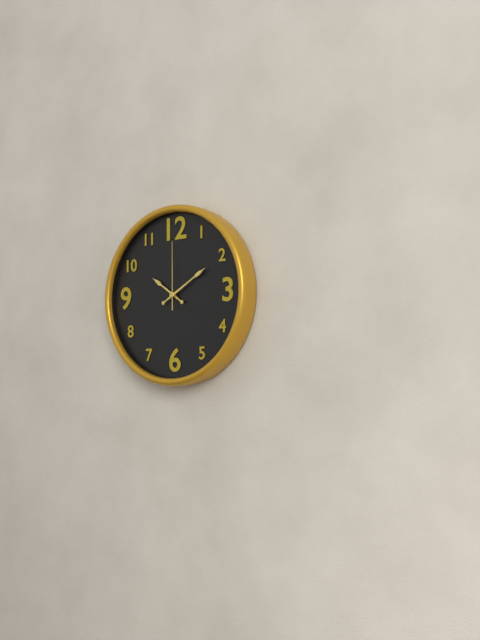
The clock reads 10h10m00s
